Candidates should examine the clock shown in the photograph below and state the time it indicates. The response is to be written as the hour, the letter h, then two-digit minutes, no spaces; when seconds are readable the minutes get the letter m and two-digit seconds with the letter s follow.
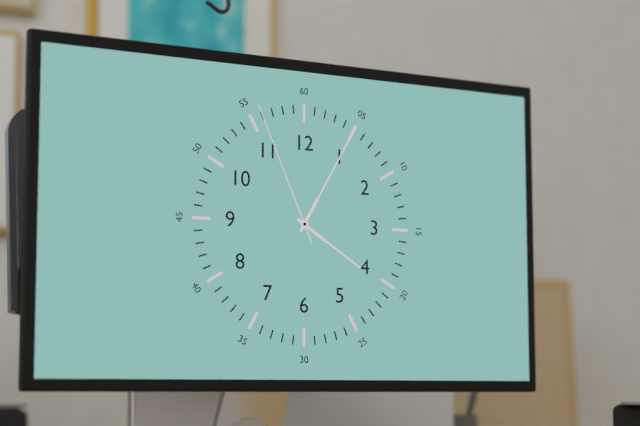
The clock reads 4h05m56s
